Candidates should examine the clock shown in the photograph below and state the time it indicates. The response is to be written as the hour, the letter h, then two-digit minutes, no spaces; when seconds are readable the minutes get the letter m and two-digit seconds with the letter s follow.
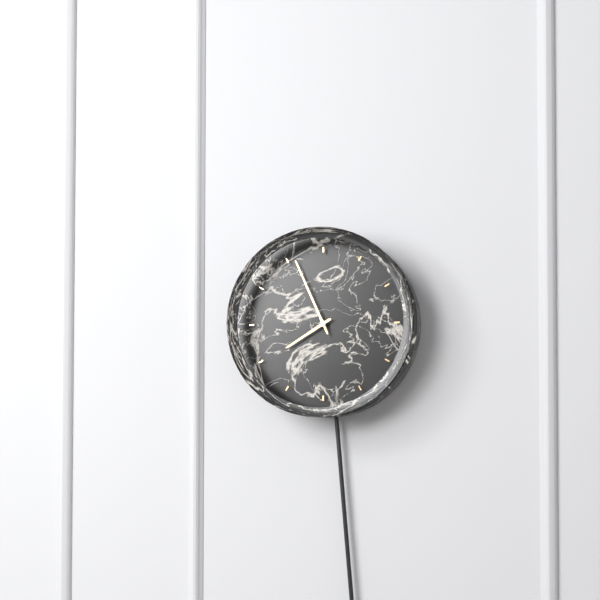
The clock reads 7h56
